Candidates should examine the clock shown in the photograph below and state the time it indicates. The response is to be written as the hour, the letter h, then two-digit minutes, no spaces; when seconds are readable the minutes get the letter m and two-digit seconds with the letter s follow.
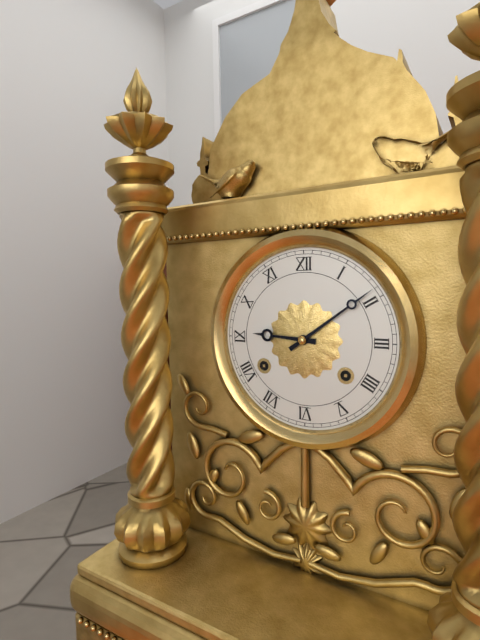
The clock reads 9h09
